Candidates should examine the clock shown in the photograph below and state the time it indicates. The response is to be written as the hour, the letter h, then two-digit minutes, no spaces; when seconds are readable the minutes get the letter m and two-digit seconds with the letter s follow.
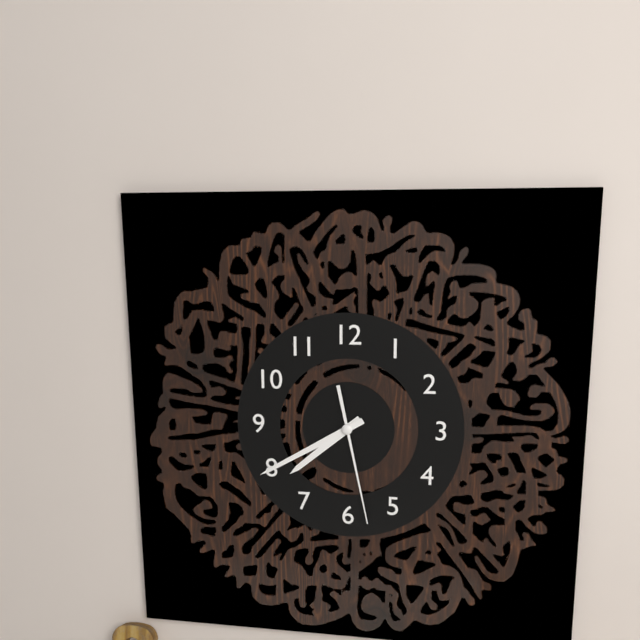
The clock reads 7h40m28s
